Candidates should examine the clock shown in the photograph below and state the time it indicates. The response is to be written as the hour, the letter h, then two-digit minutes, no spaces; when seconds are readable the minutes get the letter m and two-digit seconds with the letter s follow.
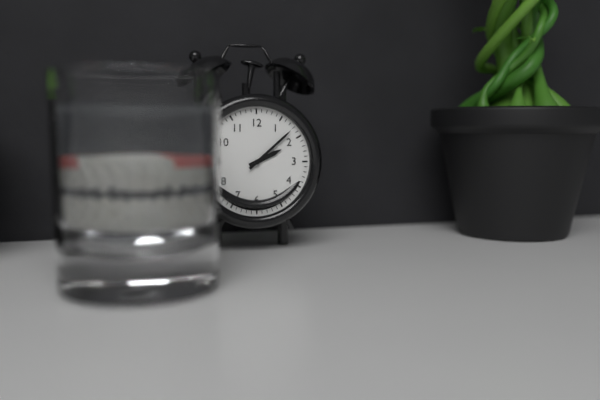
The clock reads 2h08
